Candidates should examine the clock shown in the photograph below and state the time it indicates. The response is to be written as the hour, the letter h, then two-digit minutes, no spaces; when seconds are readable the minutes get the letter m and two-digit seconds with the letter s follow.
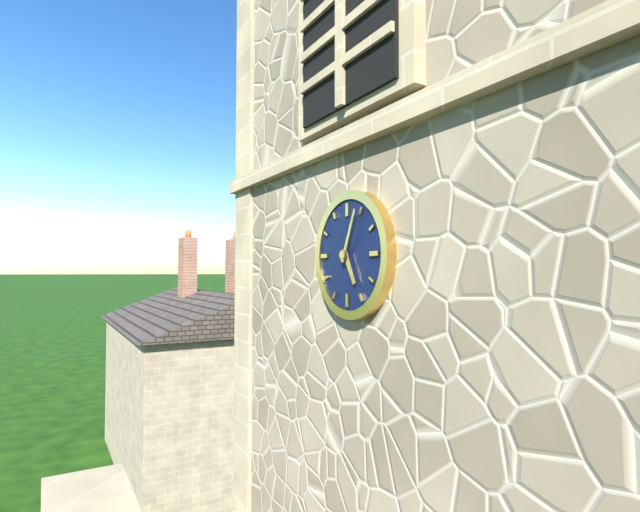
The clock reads 5h04
